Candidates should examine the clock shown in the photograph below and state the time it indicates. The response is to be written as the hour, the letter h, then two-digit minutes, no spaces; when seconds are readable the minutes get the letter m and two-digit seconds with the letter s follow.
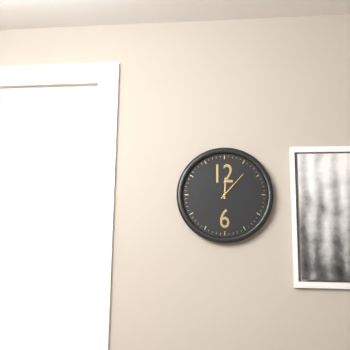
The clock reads 12h07
